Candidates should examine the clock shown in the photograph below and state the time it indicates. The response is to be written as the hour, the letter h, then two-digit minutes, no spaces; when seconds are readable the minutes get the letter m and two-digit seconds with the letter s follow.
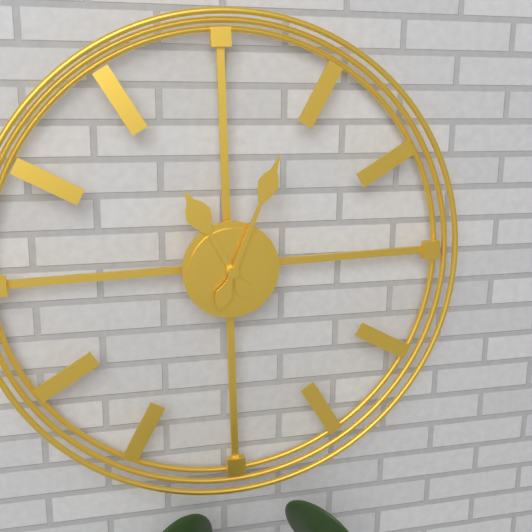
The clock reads 11h04
